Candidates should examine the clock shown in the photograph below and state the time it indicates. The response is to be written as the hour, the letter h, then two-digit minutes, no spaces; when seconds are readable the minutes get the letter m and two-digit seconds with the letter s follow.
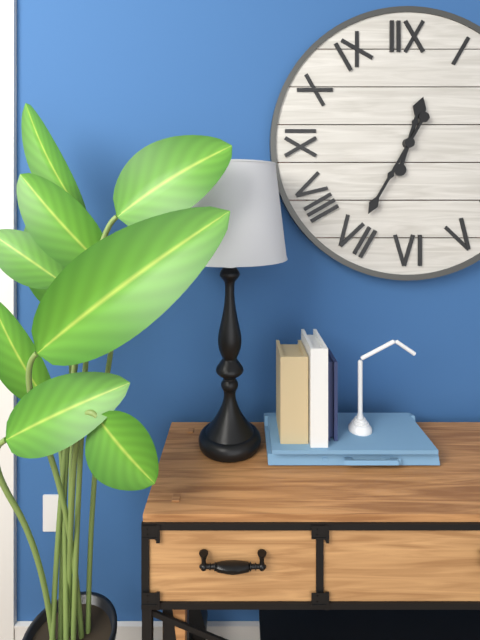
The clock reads 12h35
